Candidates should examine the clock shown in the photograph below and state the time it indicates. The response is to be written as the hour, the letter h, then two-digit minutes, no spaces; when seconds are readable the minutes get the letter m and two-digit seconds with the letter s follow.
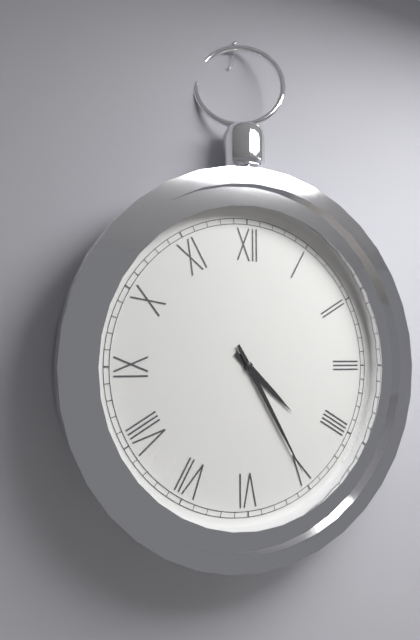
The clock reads 4h25
